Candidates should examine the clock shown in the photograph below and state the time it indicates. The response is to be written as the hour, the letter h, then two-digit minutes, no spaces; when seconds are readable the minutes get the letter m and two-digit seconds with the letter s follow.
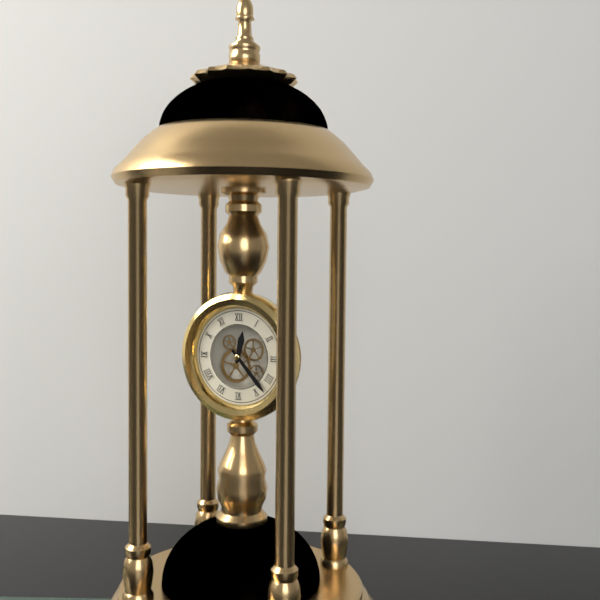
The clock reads 12h23
